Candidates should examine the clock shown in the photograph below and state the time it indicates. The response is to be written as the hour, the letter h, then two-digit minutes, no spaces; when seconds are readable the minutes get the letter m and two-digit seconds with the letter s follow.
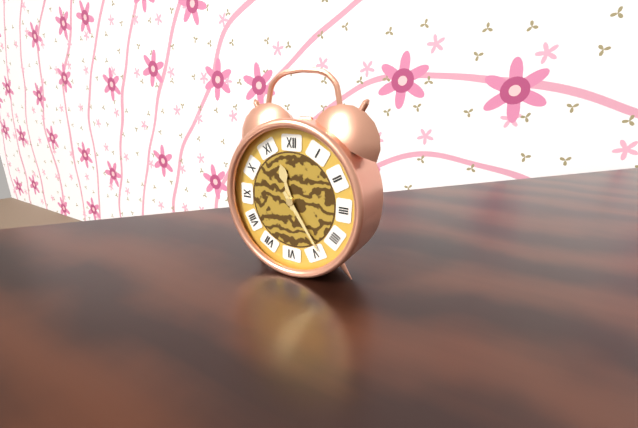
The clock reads 11h24
